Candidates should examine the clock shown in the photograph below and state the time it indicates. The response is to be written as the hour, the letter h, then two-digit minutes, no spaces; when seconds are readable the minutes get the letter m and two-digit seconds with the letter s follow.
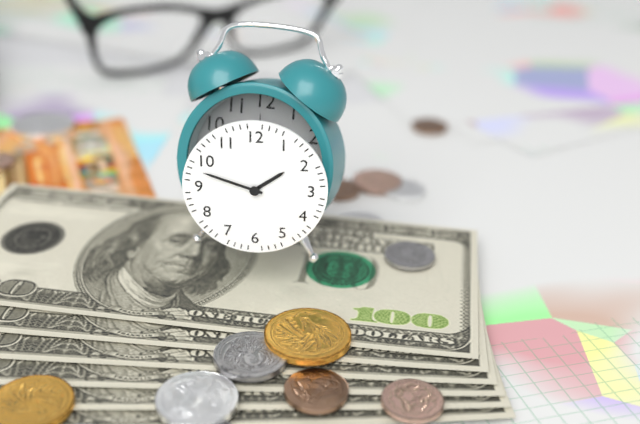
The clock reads 1h48
